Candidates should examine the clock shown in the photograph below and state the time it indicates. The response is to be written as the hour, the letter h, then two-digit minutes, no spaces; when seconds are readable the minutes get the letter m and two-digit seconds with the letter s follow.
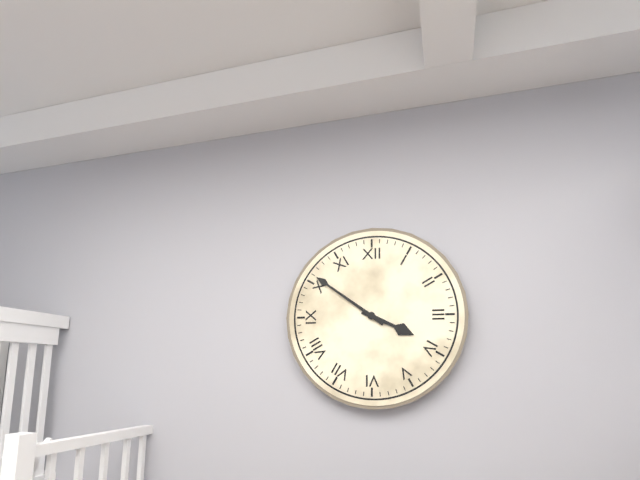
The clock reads 3h51
